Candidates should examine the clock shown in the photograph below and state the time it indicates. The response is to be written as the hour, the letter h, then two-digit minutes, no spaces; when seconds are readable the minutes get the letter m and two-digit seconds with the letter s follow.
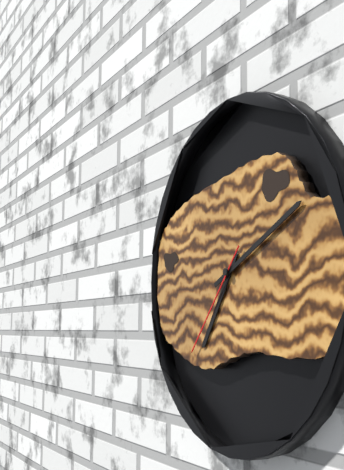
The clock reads 7h11m37s
